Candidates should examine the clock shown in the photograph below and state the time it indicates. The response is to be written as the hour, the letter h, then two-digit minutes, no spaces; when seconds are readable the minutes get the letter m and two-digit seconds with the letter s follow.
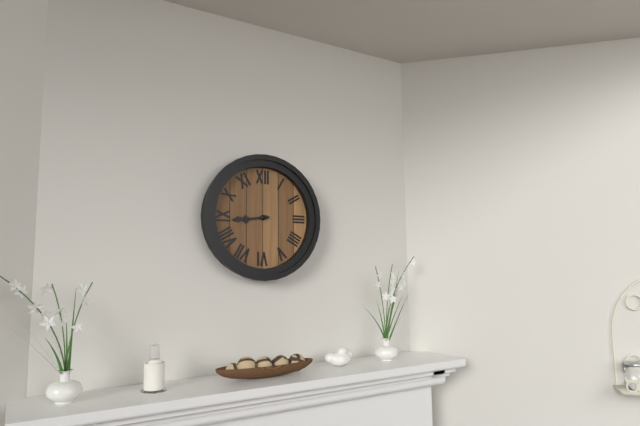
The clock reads 8h44
